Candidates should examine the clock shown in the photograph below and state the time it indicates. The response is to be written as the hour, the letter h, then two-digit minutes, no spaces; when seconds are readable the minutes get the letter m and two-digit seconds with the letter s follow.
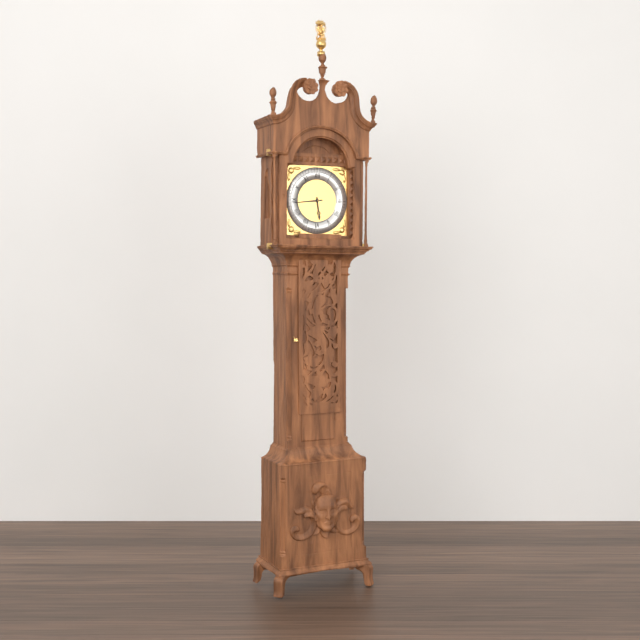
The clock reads 5h44
